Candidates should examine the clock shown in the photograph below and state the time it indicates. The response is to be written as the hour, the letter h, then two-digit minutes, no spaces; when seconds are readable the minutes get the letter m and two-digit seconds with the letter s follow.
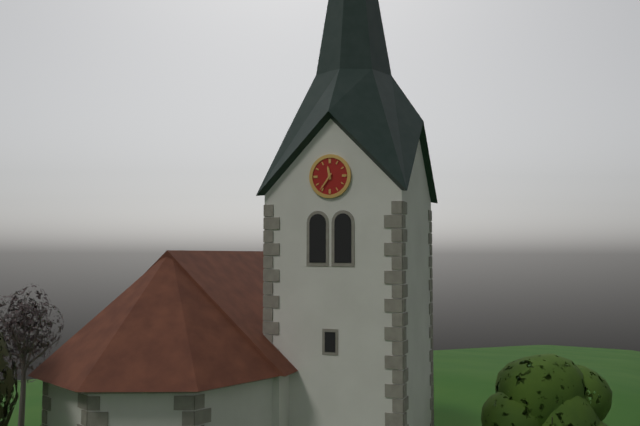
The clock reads 11h36
